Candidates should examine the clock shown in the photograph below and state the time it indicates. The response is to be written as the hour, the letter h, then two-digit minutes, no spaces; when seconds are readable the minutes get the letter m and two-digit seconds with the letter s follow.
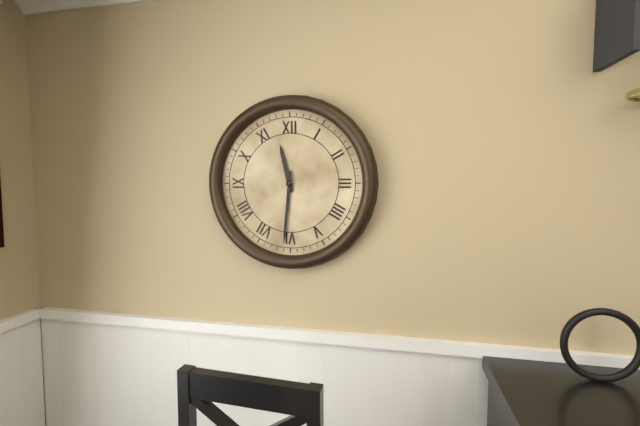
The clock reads 11h31
